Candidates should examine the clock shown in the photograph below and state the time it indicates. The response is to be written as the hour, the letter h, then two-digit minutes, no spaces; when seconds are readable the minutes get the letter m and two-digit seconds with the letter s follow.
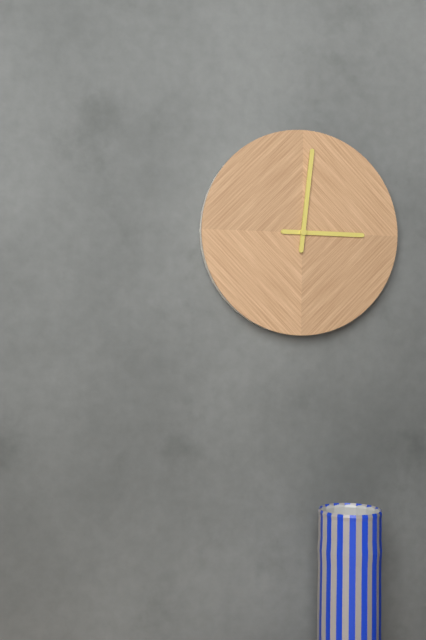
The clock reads 3h01
